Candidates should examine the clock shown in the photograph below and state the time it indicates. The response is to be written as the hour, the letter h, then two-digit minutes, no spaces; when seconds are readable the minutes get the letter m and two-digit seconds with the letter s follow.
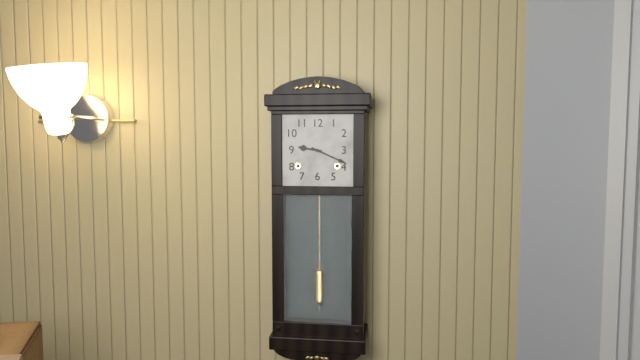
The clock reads 9h19
